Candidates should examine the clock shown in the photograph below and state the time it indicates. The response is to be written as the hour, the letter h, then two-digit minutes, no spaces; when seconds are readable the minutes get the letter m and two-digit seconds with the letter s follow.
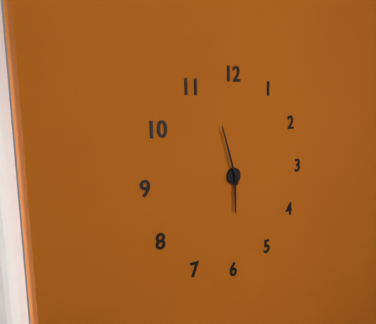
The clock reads 5h57
